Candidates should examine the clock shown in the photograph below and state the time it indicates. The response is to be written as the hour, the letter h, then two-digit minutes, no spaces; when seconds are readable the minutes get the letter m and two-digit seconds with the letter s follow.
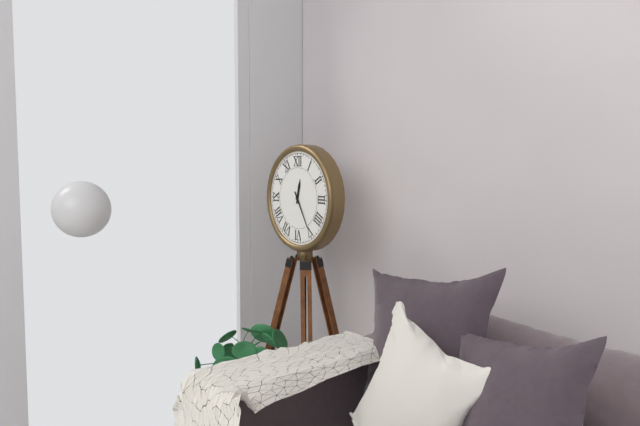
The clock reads 12h25
